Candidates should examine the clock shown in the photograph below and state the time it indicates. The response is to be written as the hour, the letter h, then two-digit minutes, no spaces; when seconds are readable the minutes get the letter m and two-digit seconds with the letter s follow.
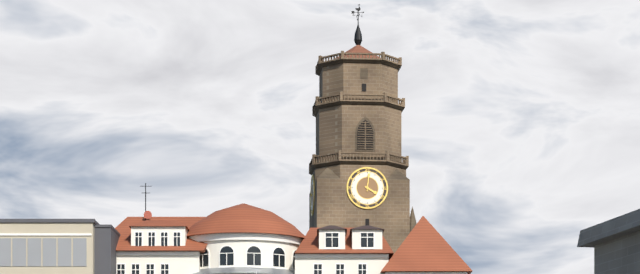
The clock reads 4h01
